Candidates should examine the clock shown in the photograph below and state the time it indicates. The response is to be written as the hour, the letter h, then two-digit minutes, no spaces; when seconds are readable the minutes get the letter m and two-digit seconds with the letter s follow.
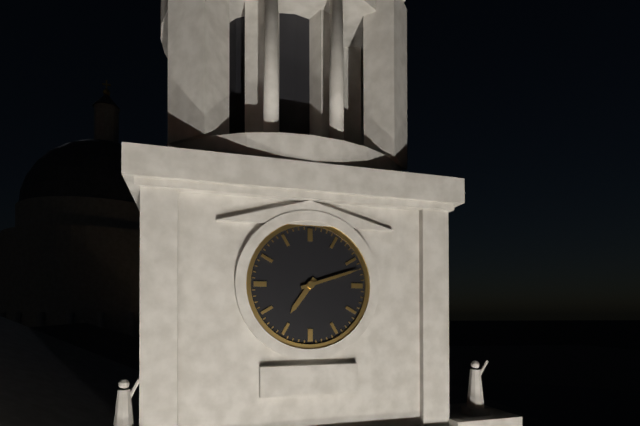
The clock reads 7h12
